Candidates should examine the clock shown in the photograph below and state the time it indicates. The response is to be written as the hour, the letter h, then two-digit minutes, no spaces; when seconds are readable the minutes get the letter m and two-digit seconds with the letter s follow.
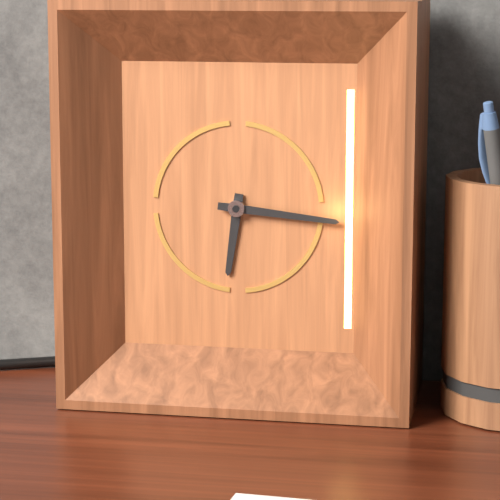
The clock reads 6h16
